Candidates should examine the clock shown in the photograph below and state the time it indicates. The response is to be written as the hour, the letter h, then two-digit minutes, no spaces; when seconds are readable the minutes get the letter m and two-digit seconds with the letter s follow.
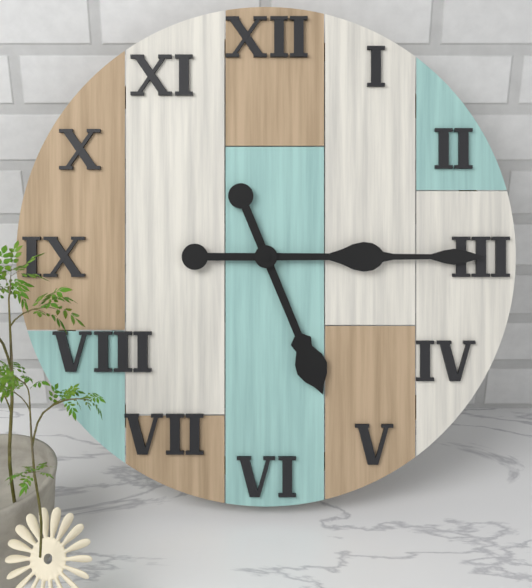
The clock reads 5h15
